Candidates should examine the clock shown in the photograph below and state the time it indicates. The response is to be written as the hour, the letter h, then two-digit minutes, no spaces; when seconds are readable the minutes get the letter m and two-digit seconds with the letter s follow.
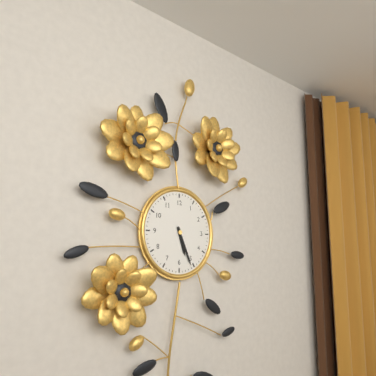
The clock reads 5h26
